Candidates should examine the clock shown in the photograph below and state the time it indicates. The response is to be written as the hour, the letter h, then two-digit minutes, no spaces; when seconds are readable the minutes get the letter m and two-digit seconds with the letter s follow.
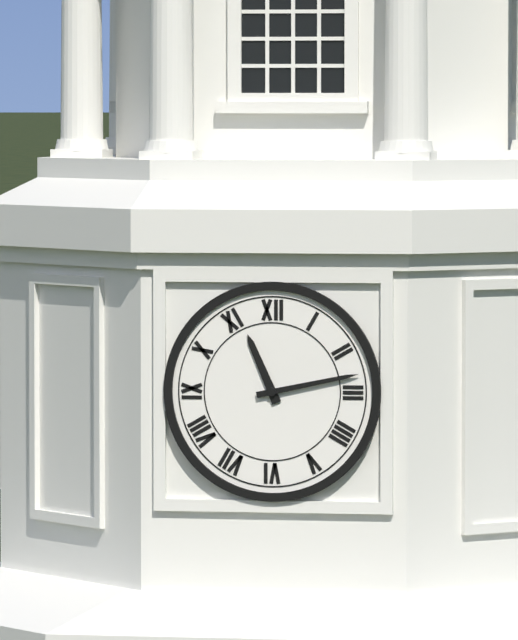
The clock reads 11h13
